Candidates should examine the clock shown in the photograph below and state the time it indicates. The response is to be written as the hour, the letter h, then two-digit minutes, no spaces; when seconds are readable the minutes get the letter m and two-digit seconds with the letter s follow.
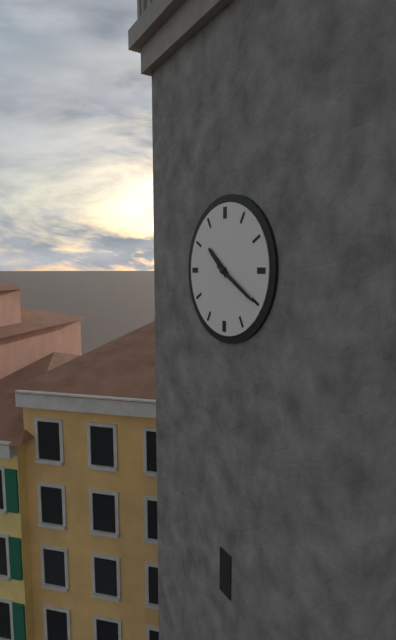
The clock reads 10h20
